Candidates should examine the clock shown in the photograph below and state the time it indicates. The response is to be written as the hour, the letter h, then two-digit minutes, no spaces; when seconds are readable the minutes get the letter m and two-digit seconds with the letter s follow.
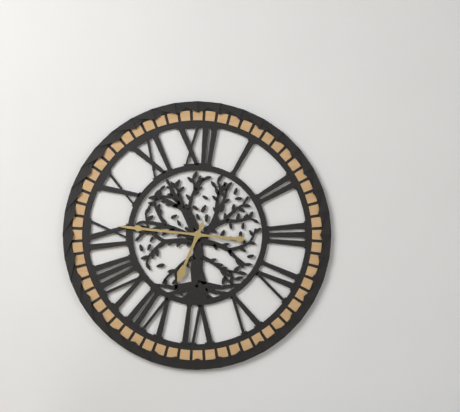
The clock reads 6h46
